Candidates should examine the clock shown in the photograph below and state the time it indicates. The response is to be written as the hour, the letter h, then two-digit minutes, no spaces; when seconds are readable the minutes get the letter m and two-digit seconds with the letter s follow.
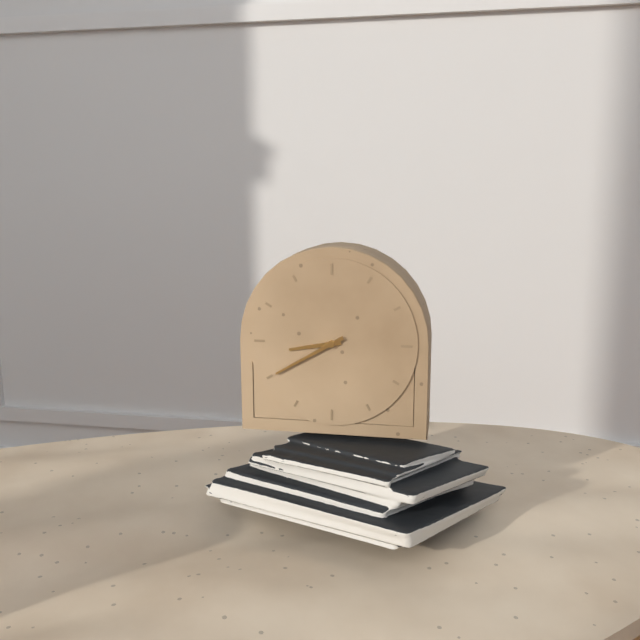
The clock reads 8h40
